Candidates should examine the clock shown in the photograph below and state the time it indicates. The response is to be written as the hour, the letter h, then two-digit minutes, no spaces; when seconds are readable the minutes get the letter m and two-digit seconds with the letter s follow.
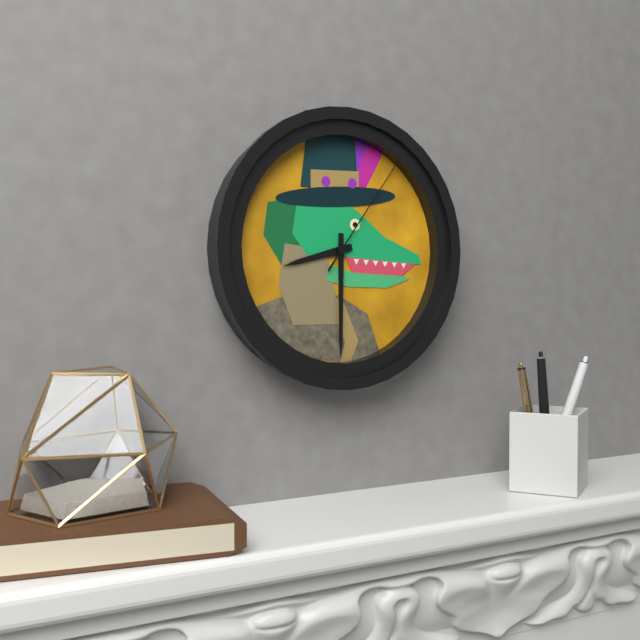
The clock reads 8h30m06s
